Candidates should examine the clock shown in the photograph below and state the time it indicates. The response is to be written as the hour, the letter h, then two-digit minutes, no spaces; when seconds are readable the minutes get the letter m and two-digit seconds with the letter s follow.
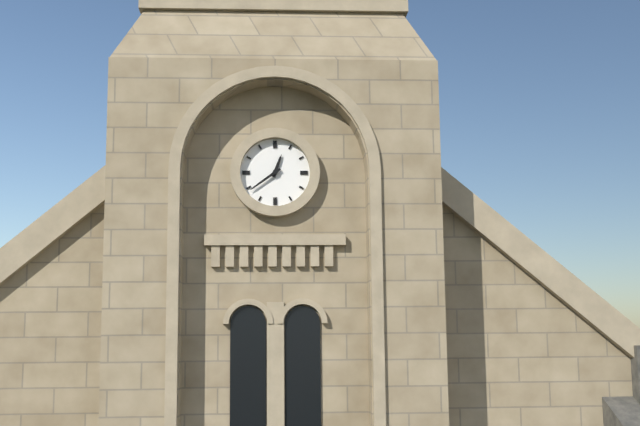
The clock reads 12h39
